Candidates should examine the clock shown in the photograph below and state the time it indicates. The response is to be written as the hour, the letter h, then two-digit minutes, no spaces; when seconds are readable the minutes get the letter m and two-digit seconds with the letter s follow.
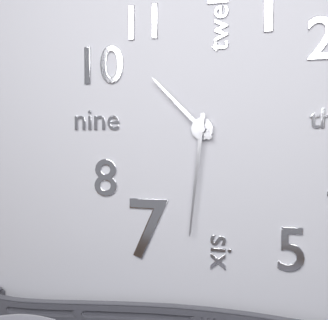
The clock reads 10h31
